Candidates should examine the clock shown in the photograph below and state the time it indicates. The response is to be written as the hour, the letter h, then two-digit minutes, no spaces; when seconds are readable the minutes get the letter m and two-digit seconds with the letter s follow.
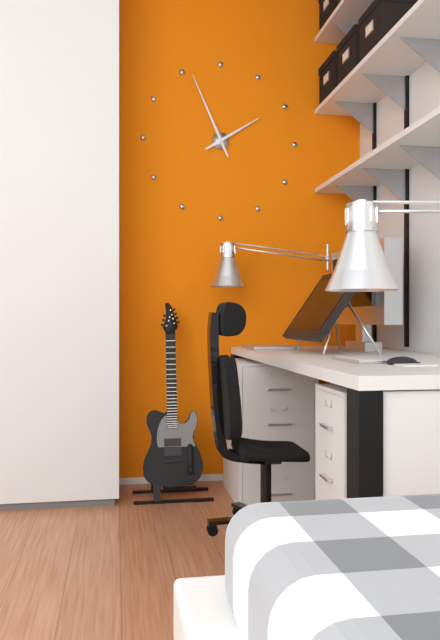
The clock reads 1h56
